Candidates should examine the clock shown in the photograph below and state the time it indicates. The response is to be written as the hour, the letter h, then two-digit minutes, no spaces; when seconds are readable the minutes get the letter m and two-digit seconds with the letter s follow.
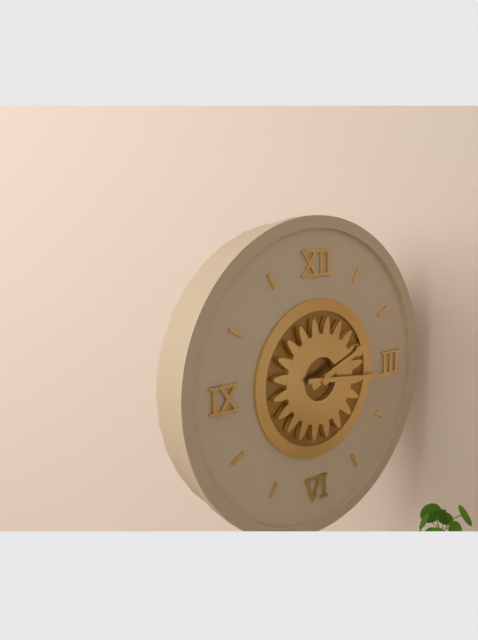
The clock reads 2h16
